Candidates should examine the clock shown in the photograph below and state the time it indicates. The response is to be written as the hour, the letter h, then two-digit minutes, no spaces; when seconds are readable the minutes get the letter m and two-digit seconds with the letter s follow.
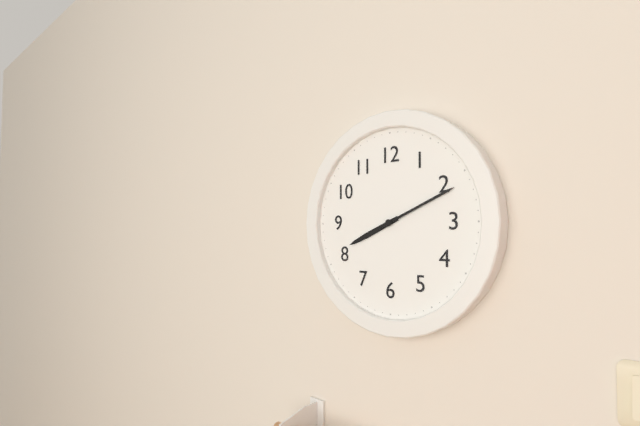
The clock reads 8h11
